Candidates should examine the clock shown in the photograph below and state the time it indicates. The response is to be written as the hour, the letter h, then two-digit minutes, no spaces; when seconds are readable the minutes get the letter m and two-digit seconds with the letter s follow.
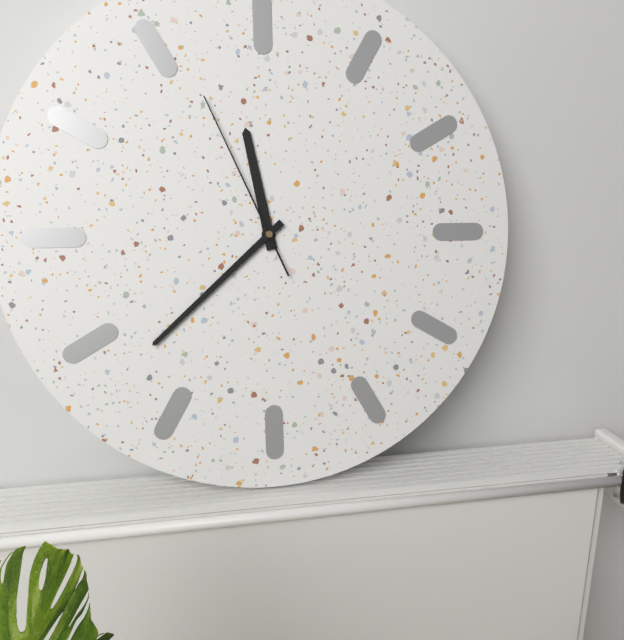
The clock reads 11h38m56s
